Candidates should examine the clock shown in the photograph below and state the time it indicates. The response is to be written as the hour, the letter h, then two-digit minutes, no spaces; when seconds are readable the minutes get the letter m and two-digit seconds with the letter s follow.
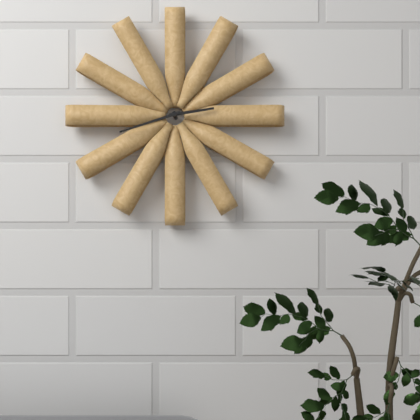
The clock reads 2h42
